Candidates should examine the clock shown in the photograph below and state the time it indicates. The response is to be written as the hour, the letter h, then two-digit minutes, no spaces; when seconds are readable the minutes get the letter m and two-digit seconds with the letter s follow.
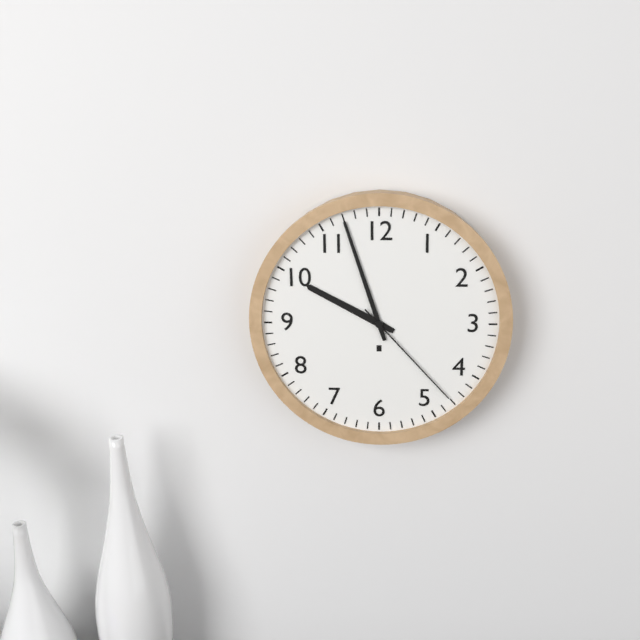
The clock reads 9h57m23s
